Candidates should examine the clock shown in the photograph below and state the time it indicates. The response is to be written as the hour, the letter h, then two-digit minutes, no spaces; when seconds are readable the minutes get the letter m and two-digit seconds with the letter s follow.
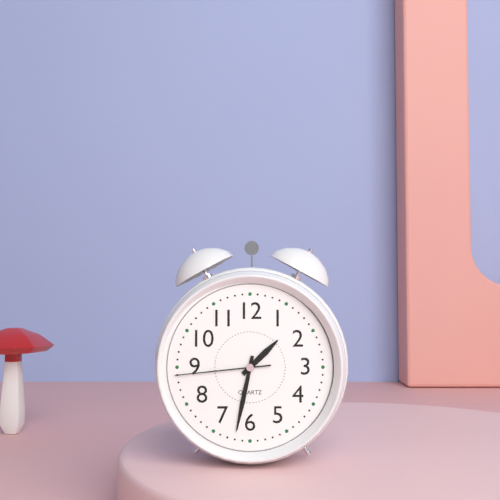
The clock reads 1h32m44s
